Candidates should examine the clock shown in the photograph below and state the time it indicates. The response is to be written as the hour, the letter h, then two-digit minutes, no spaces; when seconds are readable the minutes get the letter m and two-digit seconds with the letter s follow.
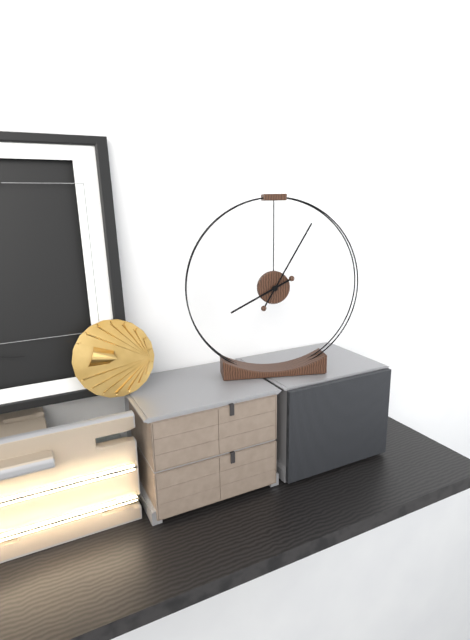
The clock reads 8h05
